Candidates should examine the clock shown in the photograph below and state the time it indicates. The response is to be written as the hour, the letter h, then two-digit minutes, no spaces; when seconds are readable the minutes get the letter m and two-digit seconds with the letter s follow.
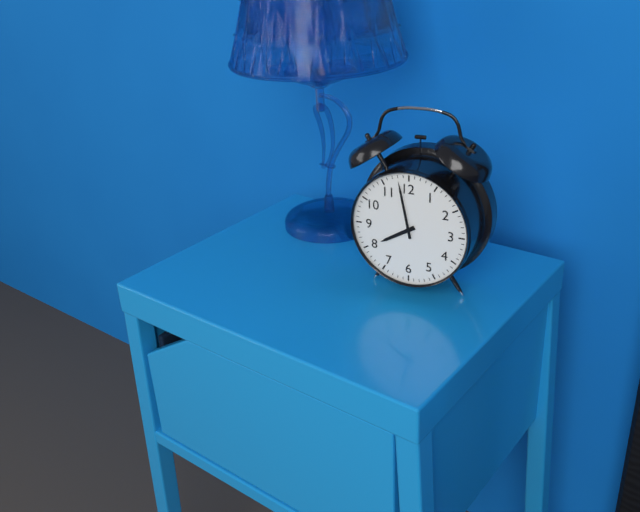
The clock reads 7h58
